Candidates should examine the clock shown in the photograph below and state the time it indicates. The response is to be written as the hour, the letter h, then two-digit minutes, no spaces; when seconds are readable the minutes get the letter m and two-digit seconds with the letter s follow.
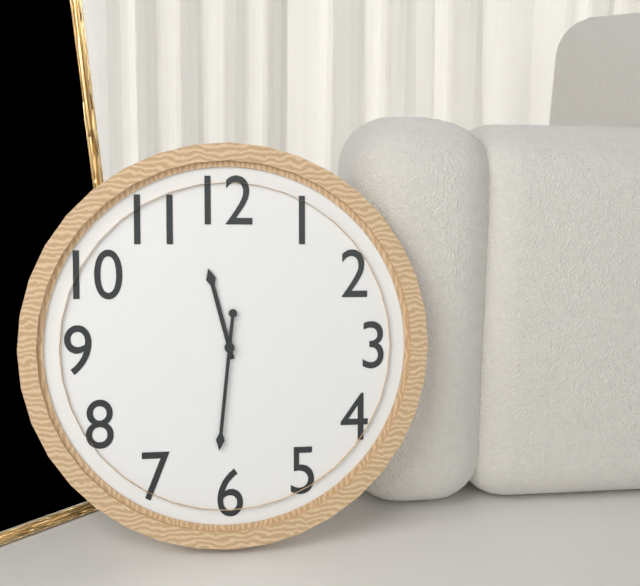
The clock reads 11h31
